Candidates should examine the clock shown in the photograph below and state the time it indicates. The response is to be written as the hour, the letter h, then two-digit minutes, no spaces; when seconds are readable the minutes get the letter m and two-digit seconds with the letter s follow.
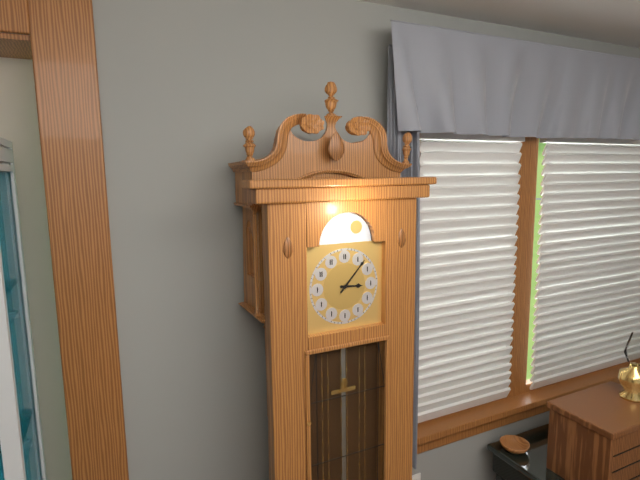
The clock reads 3h07
